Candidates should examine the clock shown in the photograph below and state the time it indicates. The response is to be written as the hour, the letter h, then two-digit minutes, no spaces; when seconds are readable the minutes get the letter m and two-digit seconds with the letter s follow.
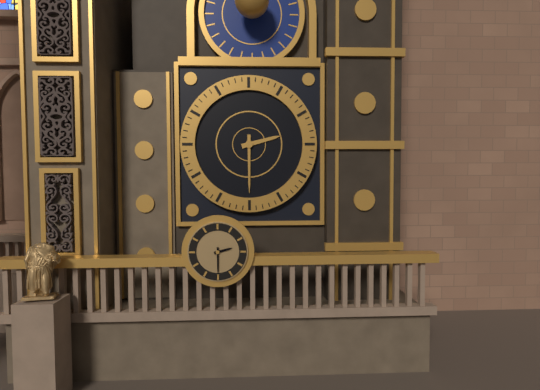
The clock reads 2h30
